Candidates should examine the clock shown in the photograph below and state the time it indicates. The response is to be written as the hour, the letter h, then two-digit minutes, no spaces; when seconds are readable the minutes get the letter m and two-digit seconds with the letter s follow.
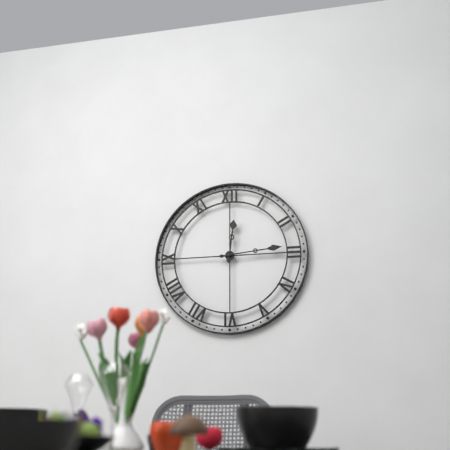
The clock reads 12h14
